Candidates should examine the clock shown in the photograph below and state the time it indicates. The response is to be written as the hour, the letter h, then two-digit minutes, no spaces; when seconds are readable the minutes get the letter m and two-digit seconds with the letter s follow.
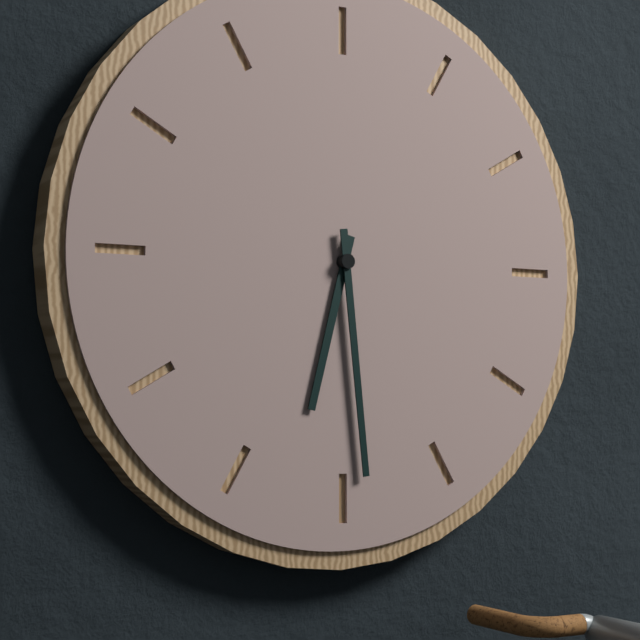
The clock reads 6h29
